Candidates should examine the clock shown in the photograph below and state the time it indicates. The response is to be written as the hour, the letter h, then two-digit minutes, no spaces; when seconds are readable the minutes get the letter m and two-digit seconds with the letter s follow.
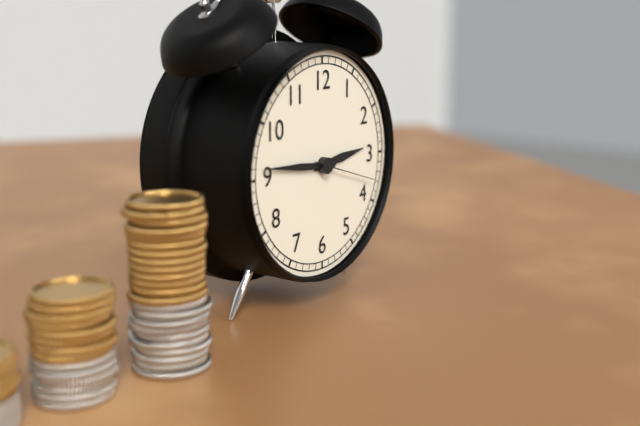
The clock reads 2h46m18s
